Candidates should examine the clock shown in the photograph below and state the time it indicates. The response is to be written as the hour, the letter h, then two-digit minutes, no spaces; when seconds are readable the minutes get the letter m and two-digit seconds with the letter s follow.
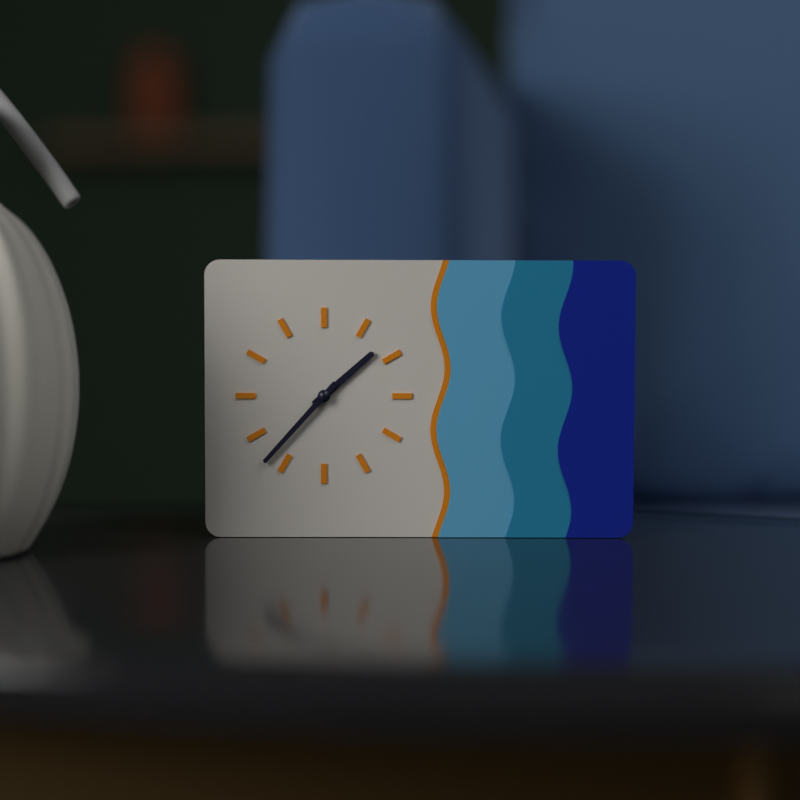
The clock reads 1h37
